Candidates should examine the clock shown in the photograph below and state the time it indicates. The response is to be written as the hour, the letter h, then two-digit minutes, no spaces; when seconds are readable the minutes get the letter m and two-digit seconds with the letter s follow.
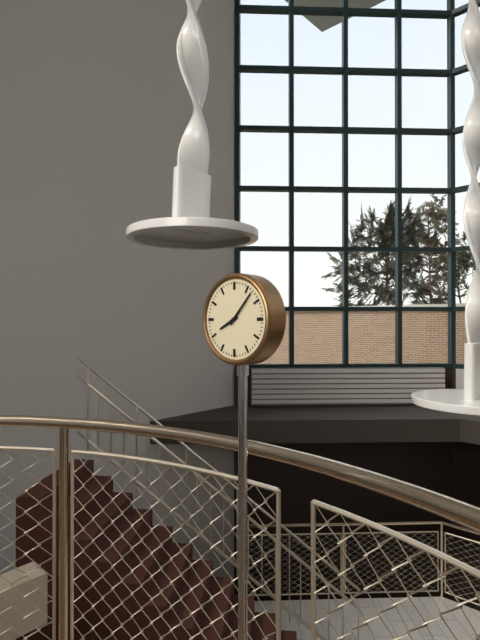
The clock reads 8h07
